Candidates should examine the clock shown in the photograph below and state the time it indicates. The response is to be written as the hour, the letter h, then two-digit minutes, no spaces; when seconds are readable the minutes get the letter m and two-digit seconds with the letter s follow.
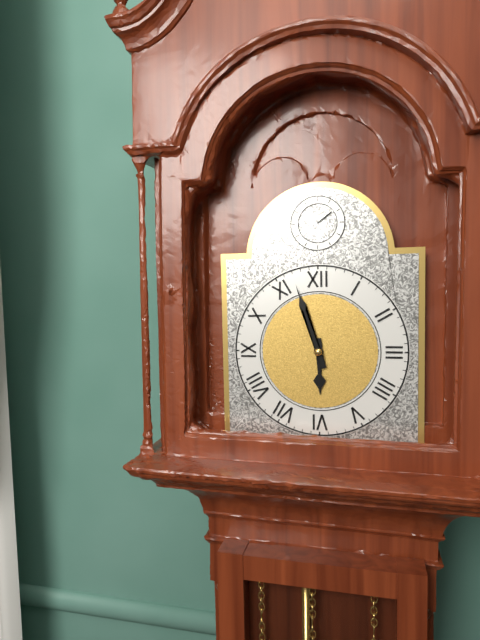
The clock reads 5h57
